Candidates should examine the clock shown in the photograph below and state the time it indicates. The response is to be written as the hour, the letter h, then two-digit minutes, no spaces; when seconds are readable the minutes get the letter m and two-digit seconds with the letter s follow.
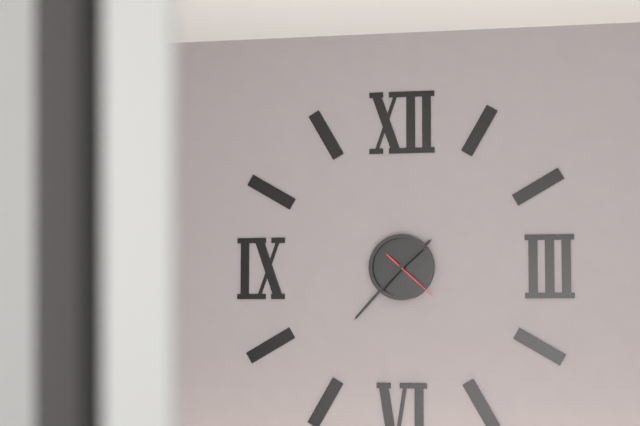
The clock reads 1h37m22s
